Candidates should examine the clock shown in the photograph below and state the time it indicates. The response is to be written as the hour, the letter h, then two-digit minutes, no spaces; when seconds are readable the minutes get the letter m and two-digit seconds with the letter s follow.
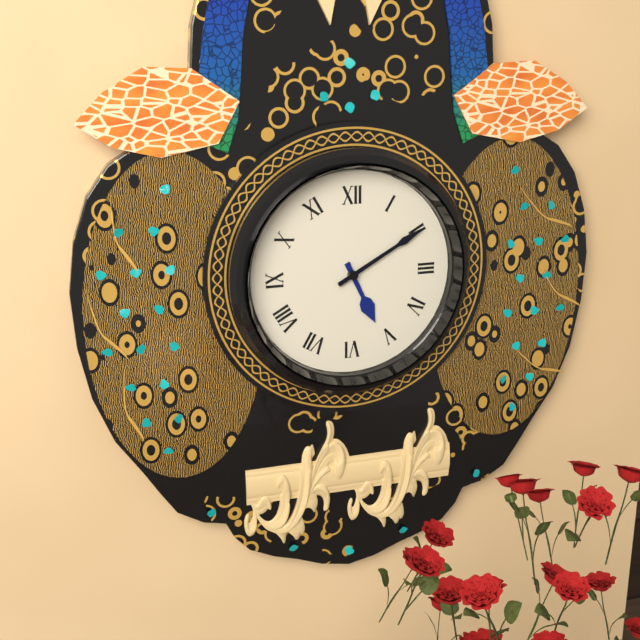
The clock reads 5h10
